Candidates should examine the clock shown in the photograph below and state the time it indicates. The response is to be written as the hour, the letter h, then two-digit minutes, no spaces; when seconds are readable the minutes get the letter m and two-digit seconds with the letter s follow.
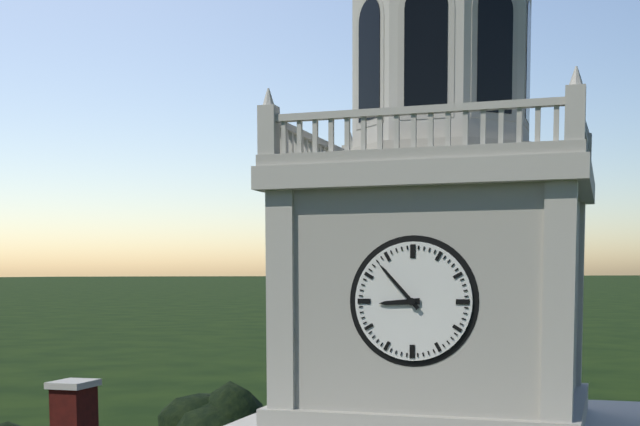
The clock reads 8h53
